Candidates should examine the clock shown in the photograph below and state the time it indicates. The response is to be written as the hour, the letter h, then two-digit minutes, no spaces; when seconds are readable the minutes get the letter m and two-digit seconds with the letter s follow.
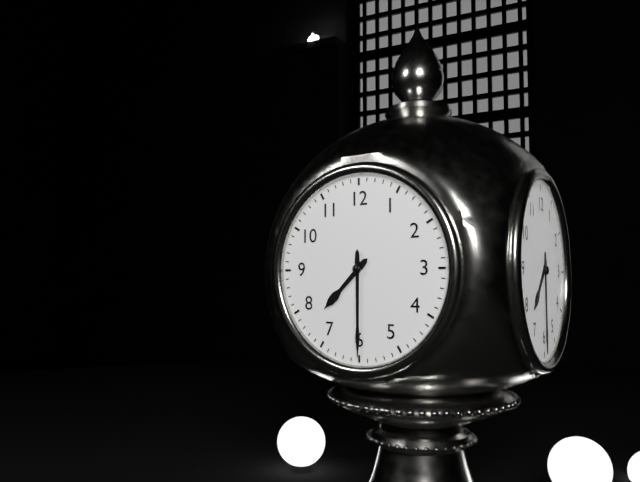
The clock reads 7h30
